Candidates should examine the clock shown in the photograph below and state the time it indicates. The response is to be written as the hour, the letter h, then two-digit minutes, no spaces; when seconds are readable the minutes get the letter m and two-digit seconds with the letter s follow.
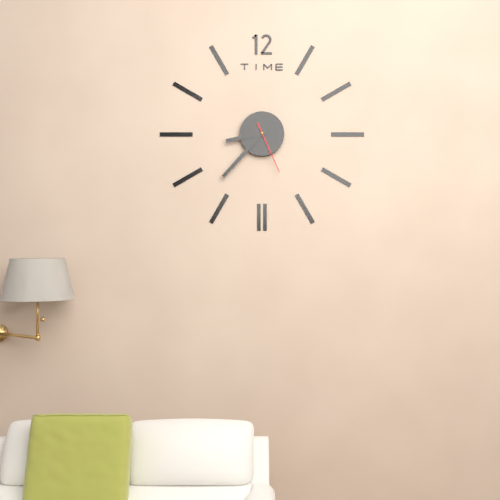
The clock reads 8h37m26s
